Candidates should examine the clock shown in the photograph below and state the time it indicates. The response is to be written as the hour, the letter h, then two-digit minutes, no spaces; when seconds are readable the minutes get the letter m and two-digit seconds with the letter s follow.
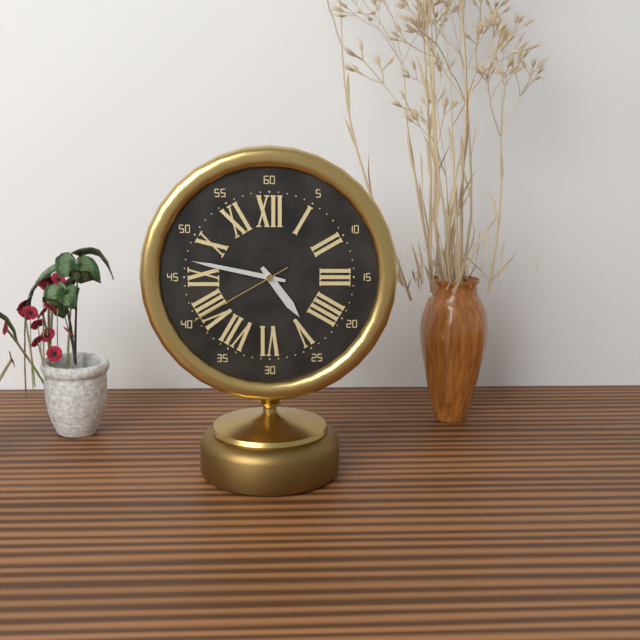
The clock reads 4h47m40s
